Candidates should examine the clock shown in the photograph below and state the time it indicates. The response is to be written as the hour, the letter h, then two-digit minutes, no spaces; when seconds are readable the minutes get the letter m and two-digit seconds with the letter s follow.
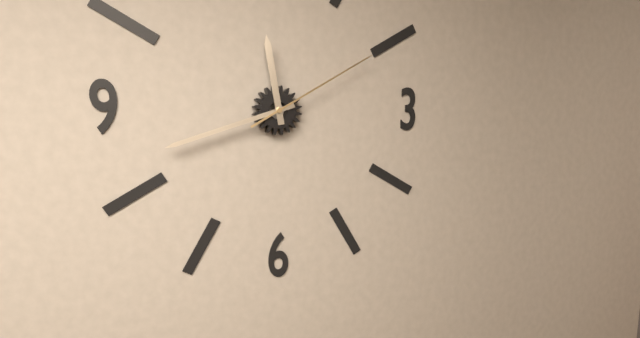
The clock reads 11h42m10s
